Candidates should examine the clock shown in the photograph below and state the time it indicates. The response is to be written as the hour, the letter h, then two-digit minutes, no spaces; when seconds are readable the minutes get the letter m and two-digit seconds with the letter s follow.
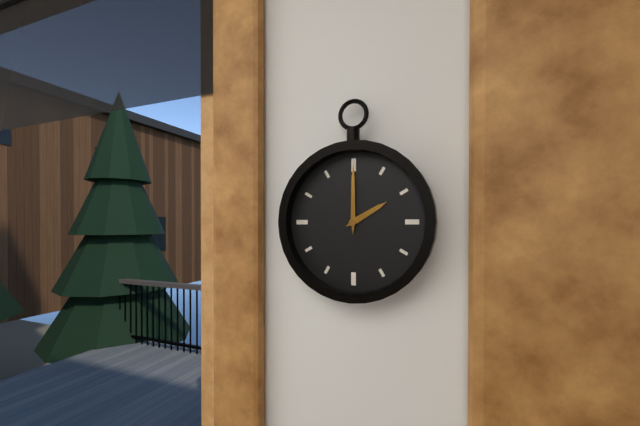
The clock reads 2h00
